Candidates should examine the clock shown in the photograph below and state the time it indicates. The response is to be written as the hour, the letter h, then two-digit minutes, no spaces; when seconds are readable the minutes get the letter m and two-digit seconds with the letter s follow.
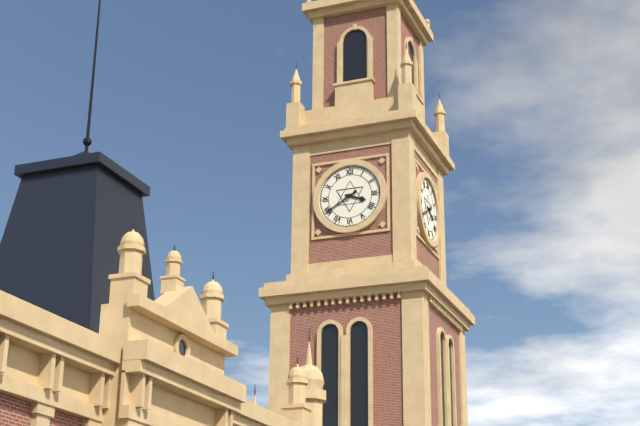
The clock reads 3h40
